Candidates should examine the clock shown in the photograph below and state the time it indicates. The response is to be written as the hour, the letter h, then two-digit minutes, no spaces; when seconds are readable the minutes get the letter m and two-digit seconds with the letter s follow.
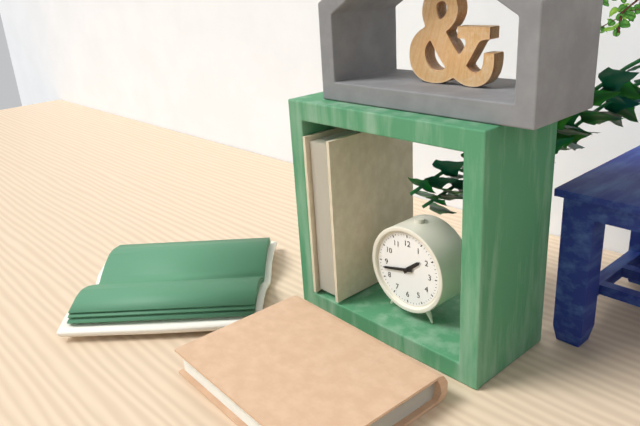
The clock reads 1h43
